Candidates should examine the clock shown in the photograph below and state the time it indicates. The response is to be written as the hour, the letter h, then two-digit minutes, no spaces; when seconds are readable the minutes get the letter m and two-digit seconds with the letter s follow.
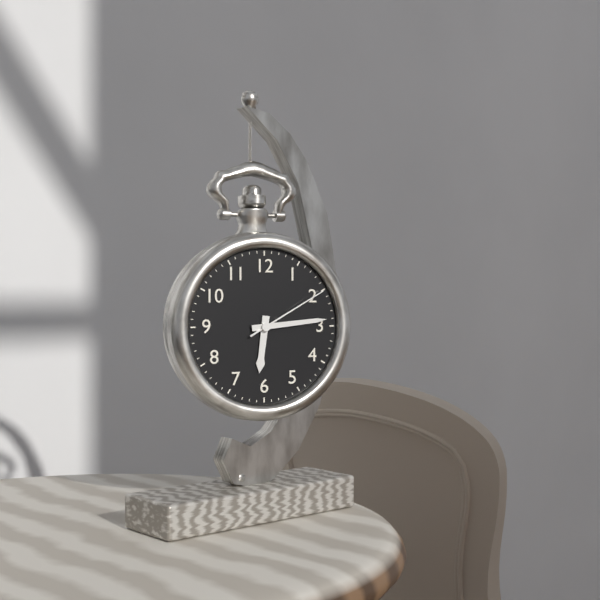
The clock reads 6h14m10s
